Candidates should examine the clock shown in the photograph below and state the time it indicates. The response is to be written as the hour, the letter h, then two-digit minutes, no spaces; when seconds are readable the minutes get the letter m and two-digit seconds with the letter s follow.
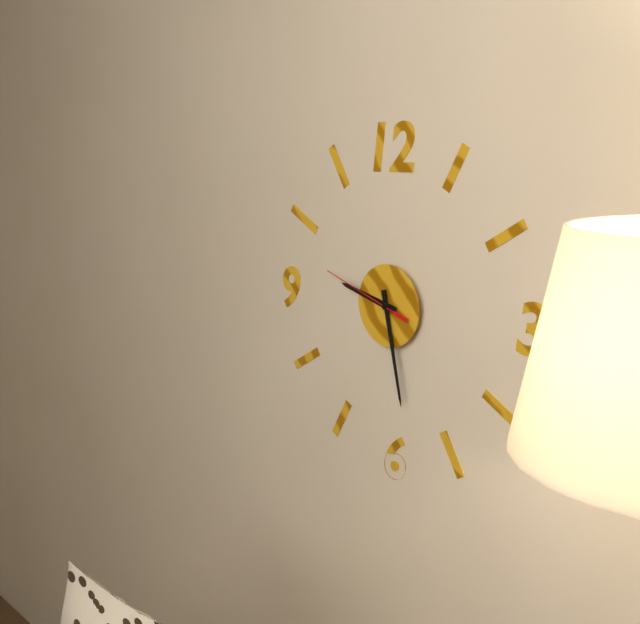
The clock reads 9h28m48s
